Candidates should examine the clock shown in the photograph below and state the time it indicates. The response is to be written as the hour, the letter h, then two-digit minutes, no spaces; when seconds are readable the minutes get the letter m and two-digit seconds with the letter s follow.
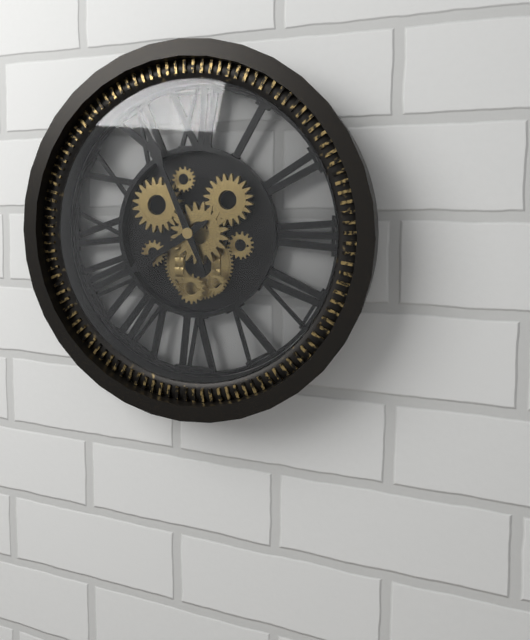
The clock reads 7h56
